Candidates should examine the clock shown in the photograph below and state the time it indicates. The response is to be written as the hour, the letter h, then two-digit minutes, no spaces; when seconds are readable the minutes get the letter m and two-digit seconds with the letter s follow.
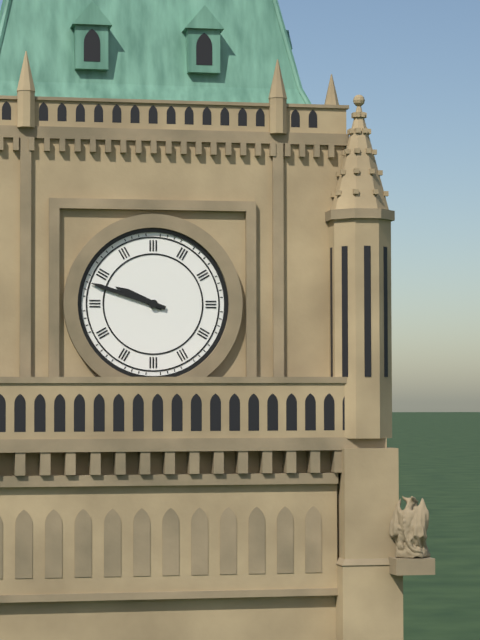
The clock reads 9h48
